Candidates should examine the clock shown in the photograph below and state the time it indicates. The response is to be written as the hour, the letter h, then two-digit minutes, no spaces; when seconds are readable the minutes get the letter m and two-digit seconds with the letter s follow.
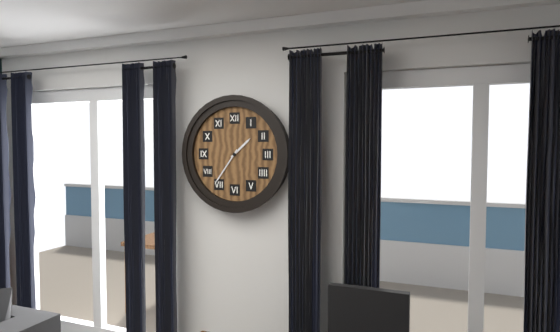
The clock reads 1h36
